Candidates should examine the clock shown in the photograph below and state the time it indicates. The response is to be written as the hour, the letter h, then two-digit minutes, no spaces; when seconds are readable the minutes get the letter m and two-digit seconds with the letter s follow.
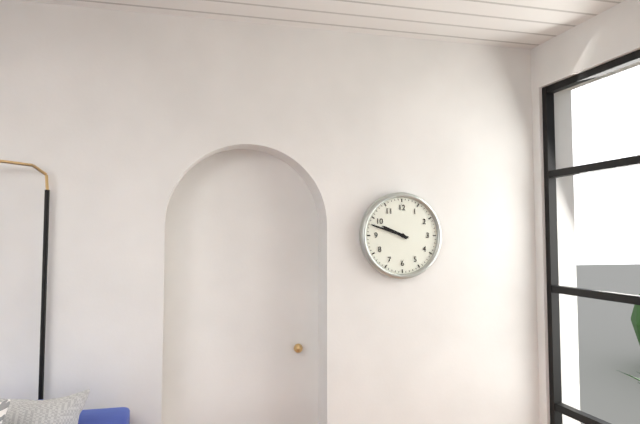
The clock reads 9h48
